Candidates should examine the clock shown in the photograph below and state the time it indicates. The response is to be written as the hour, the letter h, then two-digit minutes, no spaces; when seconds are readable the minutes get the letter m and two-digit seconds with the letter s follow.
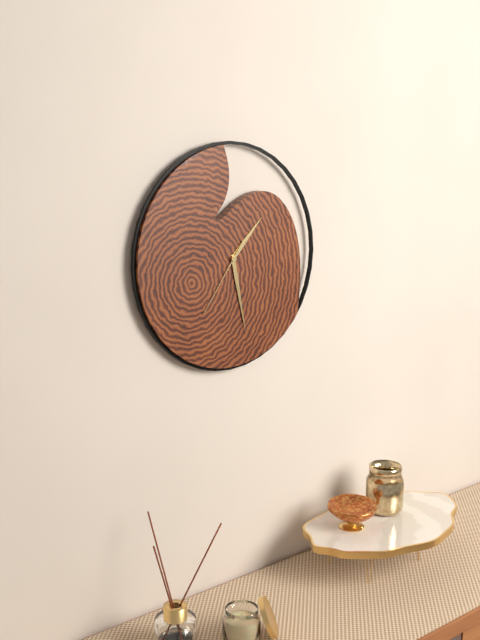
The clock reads 1h28m36s
